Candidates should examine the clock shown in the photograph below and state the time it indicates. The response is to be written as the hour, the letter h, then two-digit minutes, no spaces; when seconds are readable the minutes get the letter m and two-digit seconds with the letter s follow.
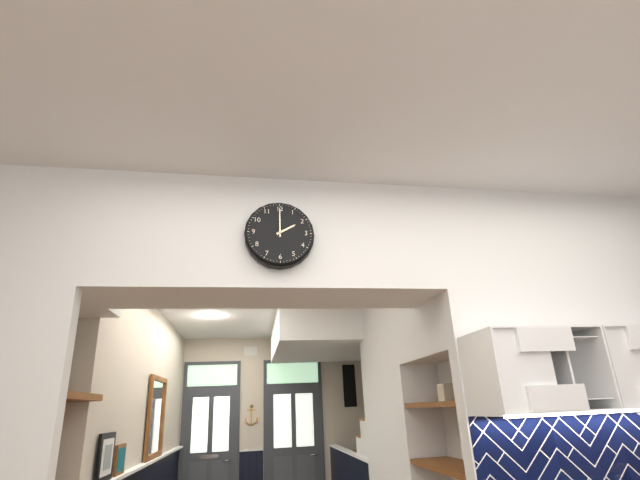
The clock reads 2h00
